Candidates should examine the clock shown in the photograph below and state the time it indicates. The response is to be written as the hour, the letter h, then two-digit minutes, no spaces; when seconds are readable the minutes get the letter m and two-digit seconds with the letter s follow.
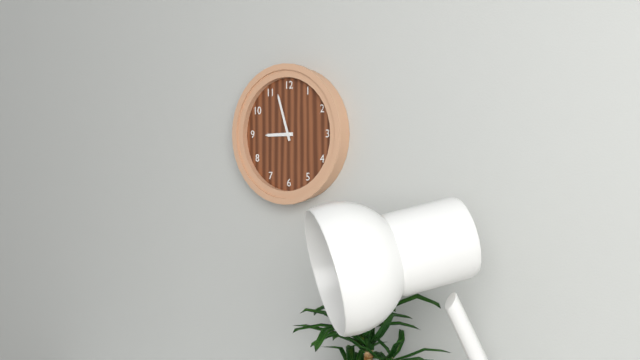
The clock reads 8h57
